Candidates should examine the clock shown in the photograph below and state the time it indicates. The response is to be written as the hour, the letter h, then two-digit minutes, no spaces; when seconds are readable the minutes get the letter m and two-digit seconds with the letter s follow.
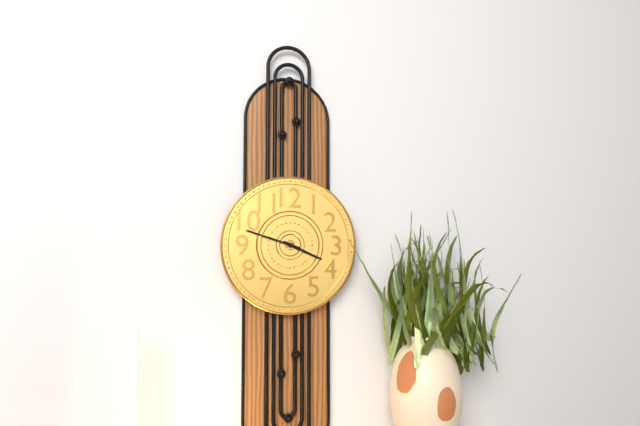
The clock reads 3h48
